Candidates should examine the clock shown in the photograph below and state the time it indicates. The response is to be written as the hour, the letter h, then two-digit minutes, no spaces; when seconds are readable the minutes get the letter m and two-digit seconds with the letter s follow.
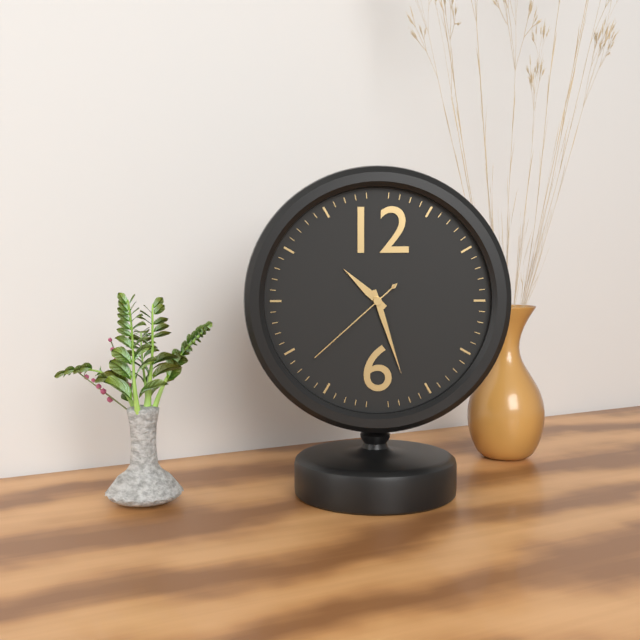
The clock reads 10h27m38s
